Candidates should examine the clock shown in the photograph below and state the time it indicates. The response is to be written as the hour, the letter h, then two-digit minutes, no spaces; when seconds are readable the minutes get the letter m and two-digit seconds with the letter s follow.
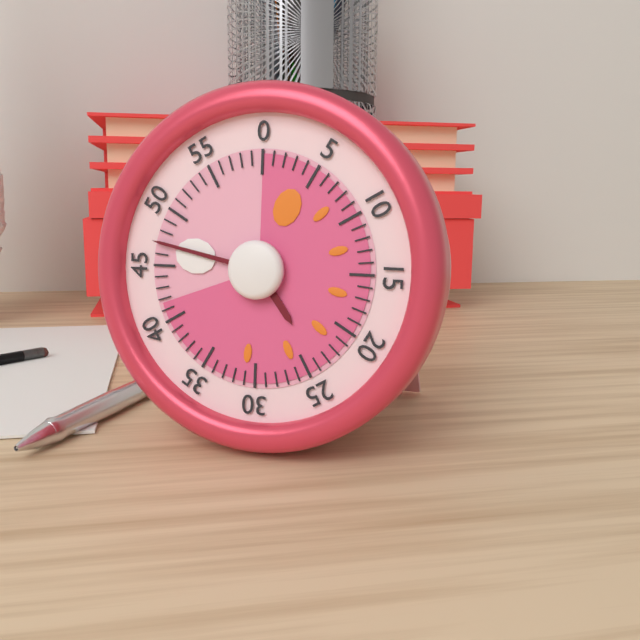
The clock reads 4h47
